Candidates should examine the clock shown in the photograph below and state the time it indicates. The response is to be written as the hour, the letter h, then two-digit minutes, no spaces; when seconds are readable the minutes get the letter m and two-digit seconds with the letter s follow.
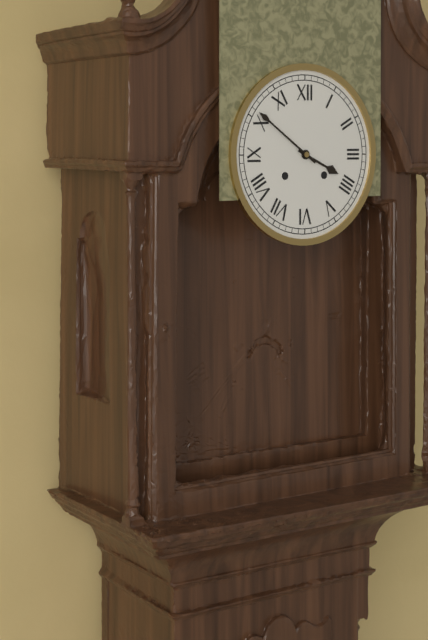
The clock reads 3h51
